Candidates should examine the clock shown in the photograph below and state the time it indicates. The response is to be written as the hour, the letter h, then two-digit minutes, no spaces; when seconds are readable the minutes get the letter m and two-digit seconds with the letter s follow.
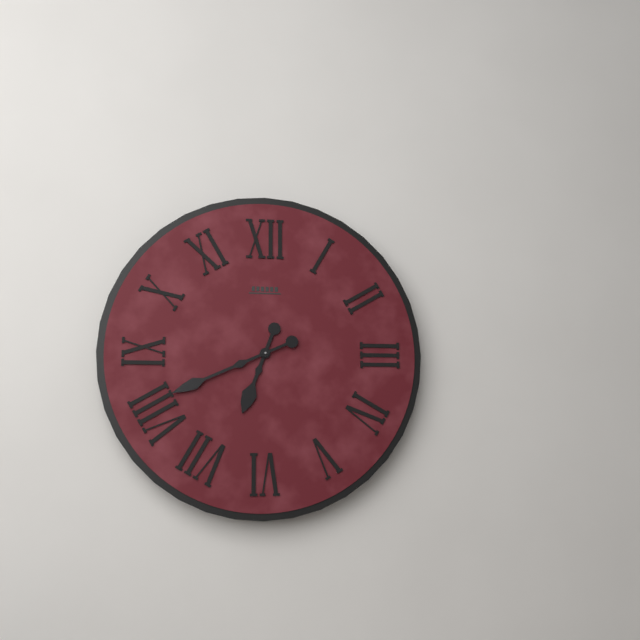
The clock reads 6h41
